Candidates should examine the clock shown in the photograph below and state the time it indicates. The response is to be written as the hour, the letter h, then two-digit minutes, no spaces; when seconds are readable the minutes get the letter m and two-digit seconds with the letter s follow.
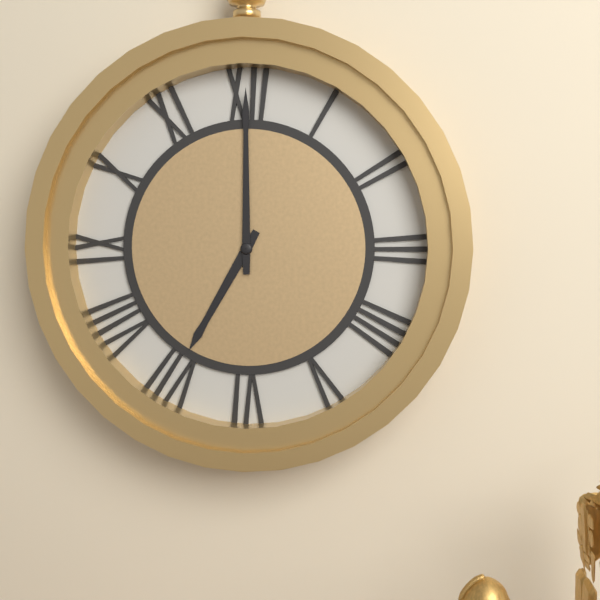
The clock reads 7h00
